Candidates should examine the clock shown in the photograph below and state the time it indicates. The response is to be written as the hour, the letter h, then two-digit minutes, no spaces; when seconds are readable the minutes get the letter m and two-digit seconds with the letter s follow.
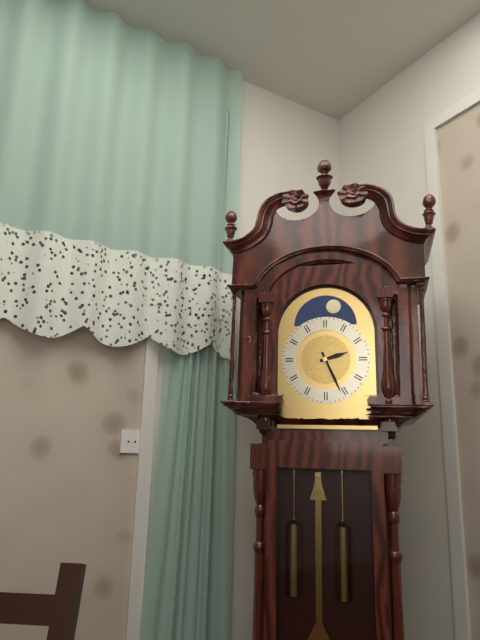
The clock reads 2h26
